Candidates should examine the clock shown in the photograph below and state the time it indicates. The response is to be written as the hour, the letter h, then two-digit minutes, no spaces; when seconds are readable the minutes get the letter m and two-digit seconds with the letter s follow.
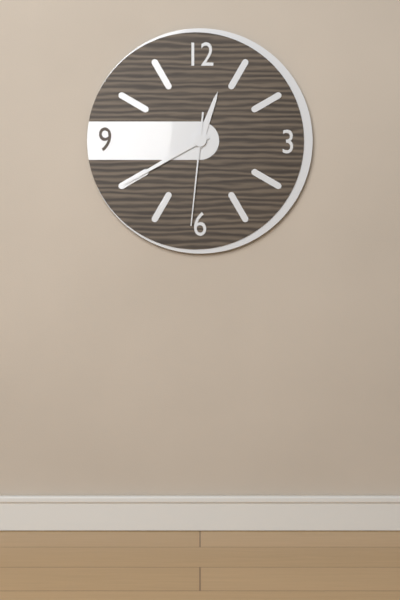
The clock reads 12h40m31s
